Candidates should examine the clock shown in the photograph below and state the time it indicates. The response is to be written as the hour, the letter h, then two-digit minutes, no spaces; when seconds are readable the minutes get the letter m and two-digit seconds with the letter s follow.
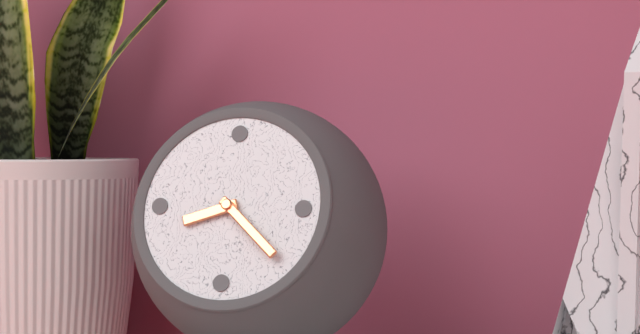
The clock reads 8h22
